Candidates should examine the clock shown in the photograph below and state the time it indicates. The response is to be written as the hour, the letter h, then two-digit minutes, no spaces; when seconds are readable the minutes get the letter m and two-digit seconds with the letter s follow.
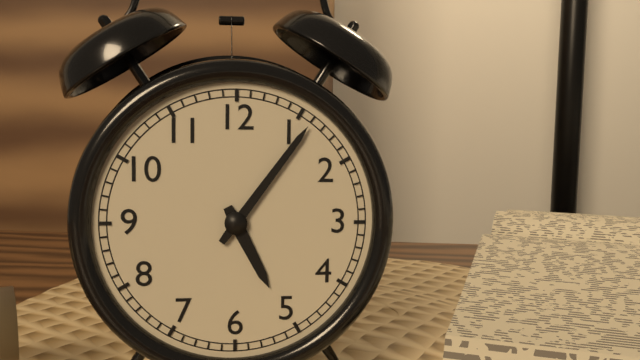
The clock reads 5h06
